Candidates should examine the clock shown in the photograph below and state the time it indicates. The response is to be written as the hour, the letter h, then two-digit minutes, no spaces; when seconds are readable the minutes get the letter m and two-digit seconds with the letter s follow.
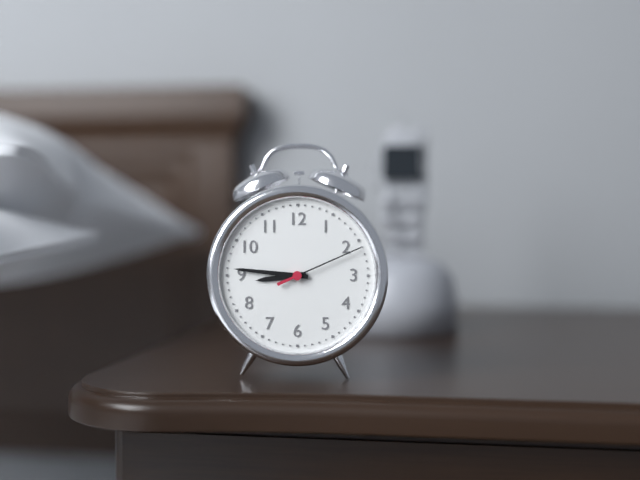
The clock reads 8h46m11s
